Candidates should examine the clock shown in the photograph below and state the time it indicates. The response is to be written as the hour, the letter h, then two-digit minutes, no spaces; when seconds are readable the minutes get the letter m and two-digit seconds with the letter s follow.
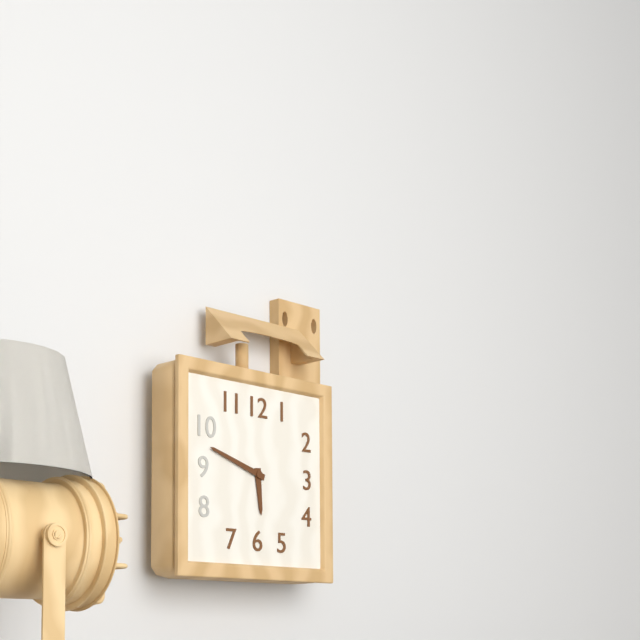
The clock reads 5h48
